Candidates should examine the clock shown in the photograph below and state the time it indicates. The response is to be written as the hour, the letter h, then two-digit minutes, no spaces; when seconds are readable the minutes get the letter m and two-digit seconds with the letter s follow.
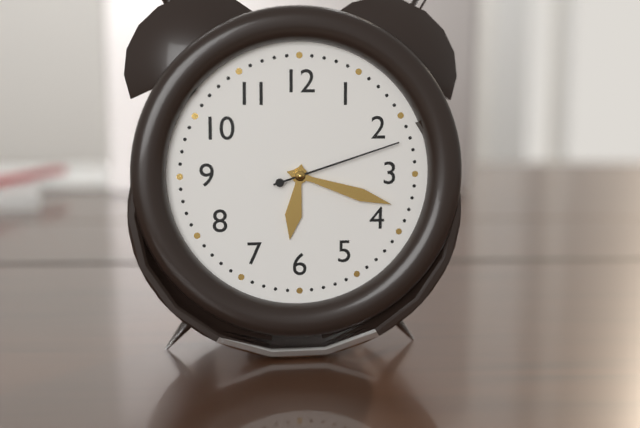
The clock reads 6h18m12s
